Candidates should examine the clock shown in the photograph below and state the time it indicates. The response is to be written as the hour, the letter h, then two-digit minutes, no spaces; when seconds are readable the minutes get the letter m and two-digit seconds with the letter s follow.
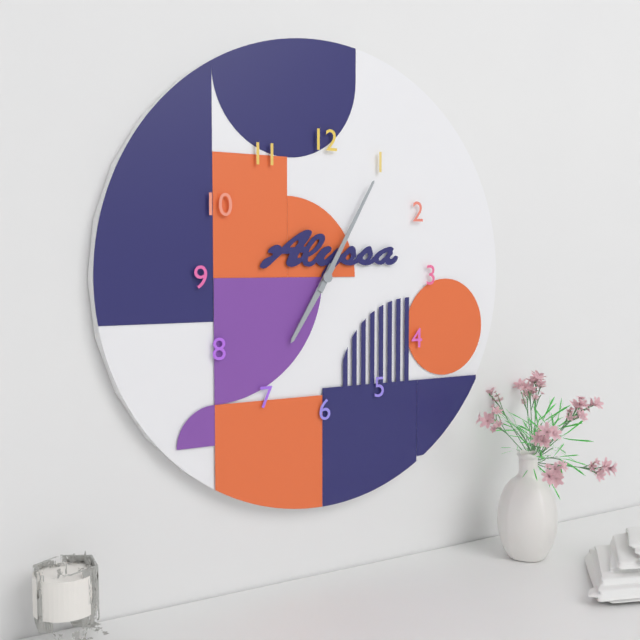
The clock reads 7h05
